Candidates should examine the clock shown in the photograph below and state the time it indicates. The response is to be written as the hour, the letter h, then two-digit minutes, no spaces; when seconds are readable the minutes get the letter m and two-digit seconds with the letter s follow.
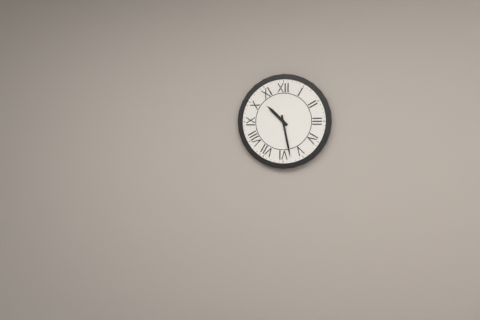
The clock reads 10h28
